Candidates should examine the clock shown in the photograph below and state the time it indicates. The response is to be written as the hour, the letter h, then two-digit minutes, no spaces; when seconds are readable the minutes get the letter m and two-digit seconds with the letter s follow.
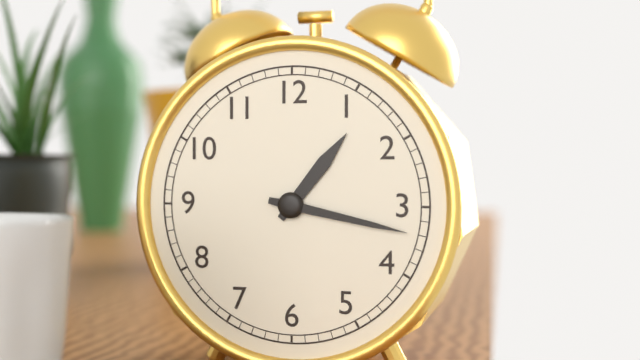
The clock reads 1h17
